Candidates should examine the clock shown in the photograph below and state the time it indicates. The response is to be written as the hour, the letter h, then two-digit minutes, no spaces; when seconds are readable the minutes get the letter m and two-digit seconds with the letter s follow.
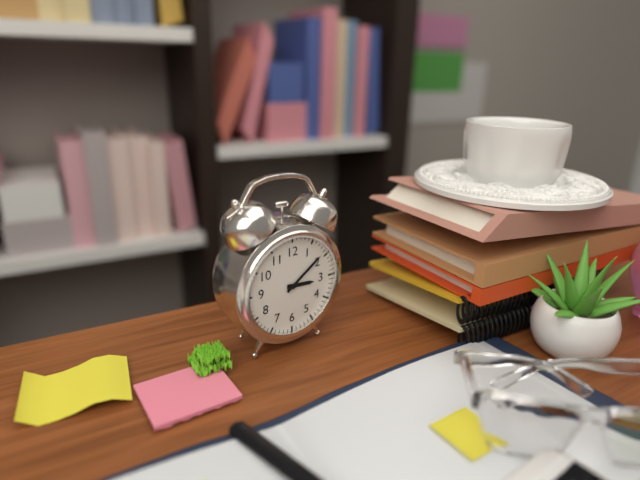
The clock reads 3h09
